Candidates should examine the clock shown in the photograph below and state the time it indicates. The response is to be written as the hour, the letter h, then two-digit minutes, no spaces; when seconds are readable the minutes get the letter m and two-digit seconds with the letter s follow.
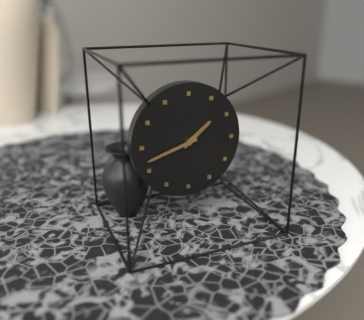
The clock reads 1h42
